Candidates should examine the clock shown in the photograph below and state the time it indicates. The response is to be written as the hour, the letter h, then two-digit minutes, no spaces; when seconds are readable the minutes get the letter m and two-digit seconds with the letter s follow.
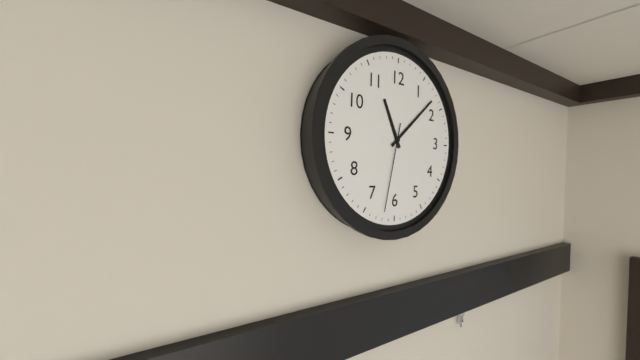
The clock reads 11h08m32s
